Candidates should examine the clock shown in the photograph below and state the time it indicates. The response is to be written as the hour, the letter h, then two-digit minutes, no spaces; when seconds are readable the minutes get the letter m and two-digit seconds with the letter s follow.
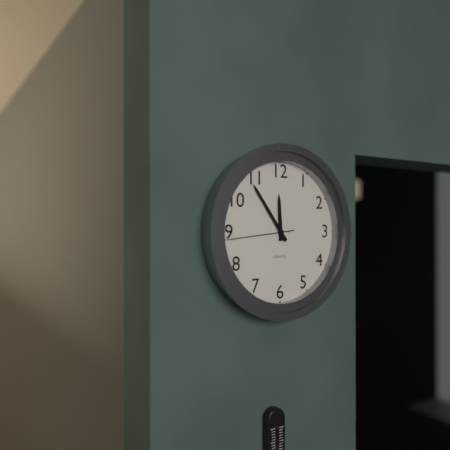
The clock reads 11h54m44s
